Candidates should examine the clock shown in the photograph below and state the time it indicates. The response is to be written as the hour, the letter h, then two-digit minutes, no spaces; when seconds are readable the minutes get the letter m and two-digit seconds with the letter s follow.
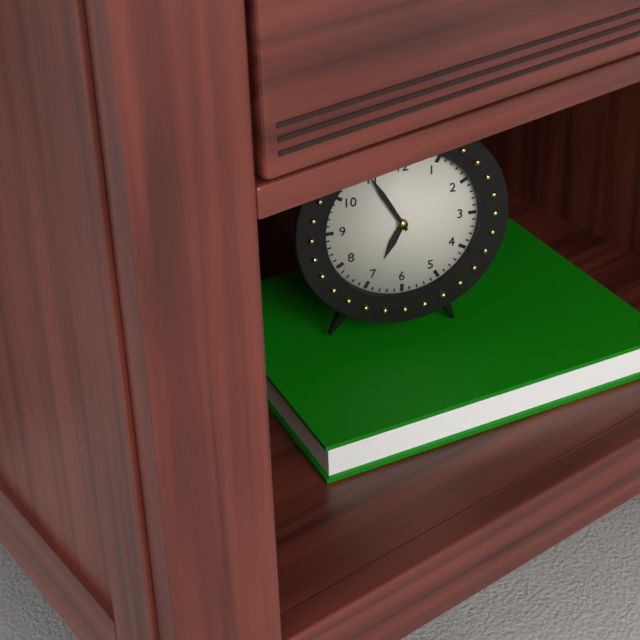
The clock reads 6h55
